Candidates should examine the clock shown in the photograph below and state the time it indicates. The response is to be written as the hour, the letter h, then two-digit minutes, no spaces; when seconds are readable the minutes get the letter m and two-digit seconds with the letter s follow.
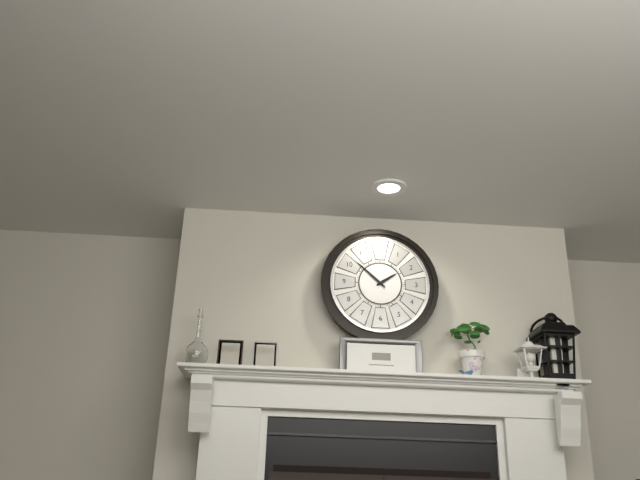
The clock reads 1h52
